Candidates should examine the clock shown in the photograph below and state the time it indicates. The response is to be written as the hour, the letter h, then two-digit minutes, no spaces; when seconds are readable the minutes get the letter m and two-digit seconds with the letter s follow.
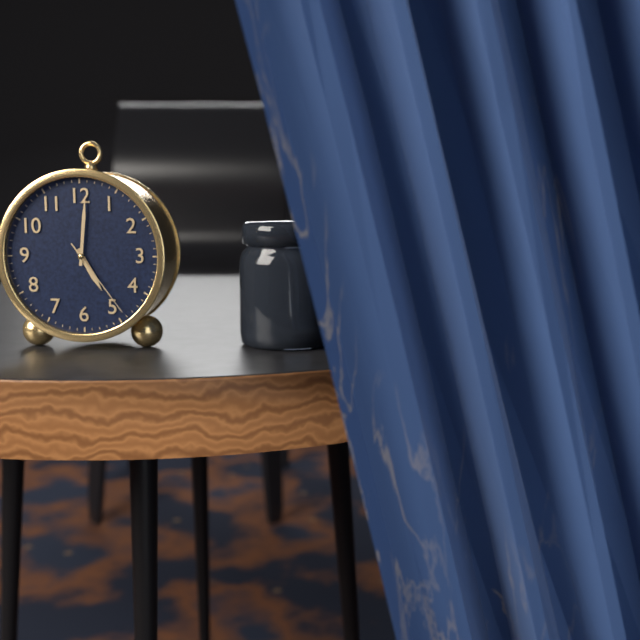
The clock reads 5h01m24s
